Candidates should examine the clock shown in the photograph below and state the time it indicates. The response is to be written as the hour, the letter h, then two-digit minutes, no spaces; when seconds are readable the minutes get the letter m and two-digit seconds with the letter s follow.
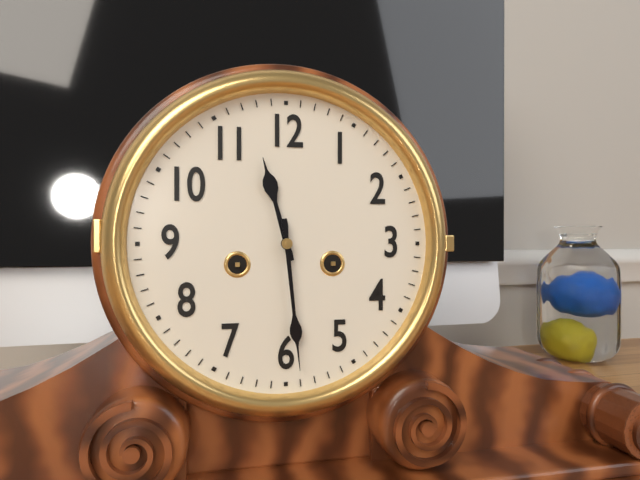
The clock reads 11h29
